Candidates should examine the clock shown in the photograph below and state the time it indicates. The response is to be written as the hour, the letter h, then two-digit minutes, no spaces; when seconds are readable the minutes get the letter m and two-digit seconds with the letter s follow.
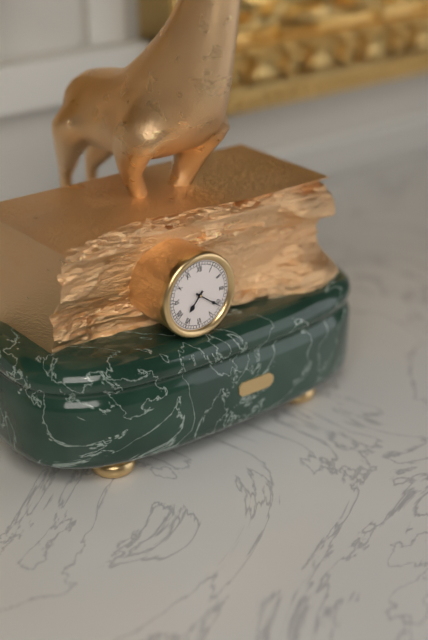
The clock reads 7h21
